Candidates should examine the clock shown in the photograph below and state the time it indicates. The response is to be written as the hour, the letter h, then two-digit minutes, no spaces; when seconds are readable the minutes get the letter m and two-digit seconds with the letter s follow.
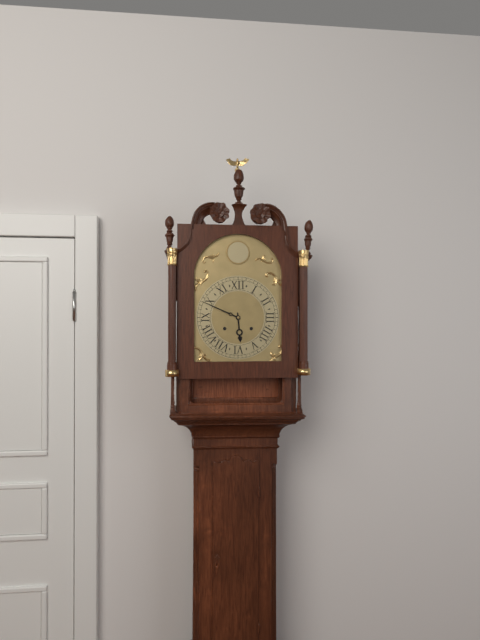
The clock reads 5h49
